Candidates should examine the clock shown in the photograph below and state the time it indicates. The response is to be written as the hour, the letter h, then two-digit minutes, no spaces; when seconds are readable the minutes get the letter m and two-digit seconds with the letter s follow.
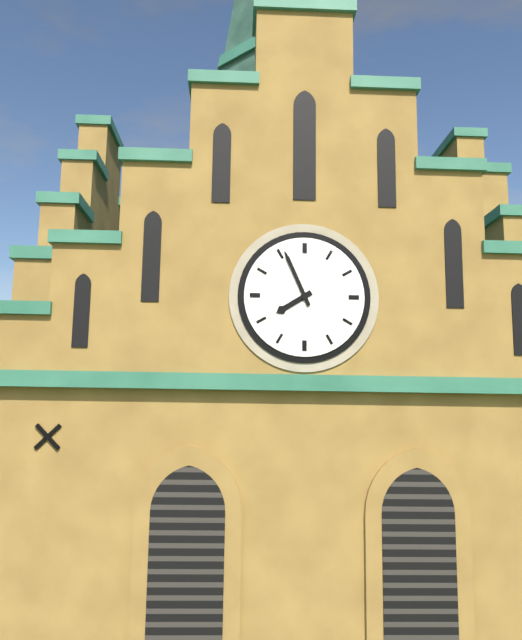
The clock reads 7h56
